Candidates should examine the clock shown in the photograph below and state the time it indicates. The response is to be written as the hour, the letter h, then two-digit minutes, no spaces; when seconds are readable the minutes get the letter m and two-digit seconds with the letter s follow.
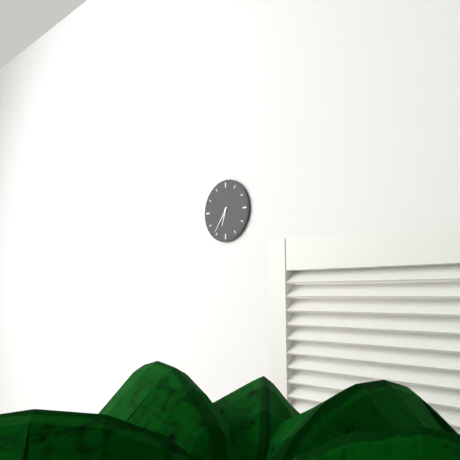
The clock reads 6h36
